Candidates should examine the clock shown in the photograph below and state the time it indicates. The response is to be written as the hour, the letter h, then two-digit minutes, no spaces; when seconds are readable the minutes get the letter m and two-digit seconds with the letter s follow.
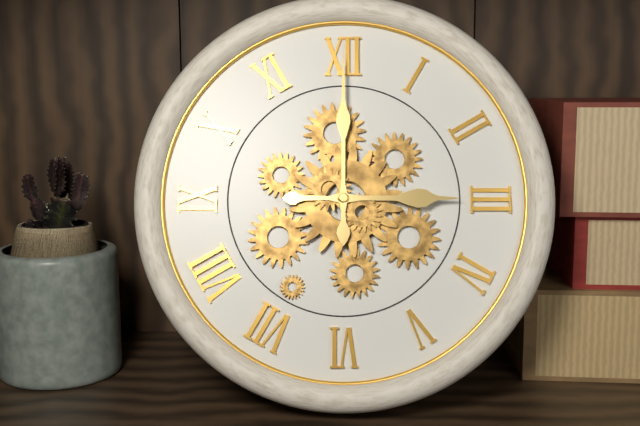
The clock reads 3h00
